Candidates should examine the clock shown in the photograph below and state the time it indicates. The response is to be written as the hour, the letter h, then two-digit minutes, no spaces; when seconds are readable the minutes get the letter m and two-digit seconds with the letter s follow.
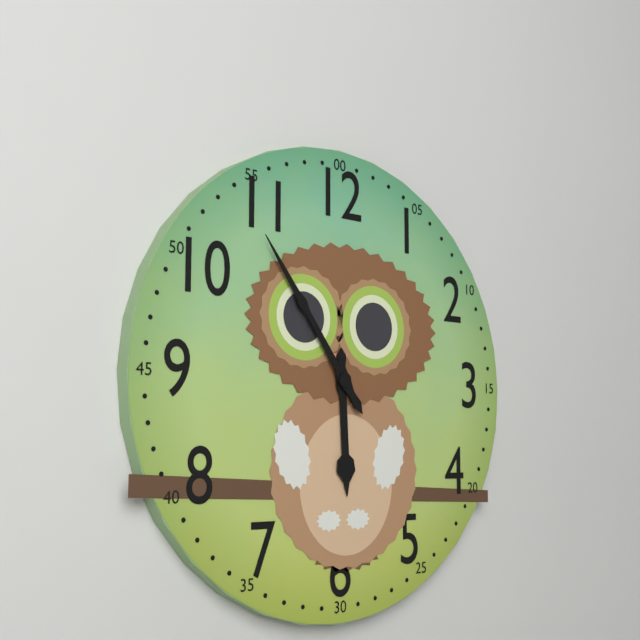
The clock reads 5h54
